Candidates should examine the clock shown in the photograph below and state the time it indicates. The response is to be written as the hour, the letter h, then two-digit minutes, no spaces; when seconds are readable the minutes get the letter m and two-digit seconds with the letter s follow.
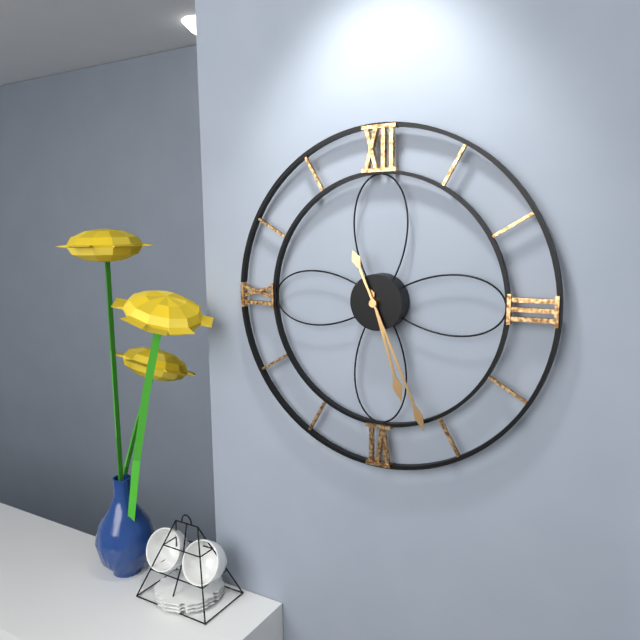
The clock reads 5h26
